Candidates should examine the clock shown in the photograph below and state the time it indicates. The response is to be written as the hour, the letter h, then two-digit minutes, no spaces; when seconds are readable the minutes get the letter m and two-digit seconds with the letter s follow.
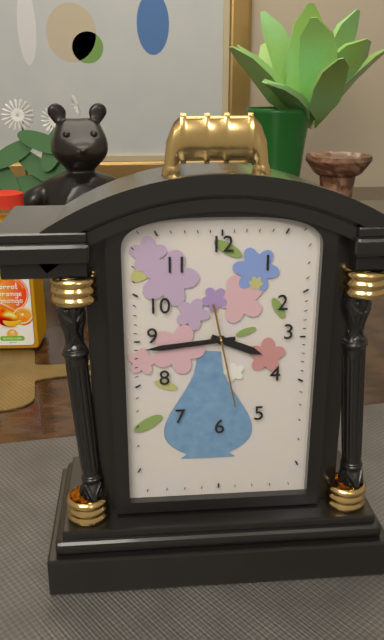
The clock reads 3h44m28s
